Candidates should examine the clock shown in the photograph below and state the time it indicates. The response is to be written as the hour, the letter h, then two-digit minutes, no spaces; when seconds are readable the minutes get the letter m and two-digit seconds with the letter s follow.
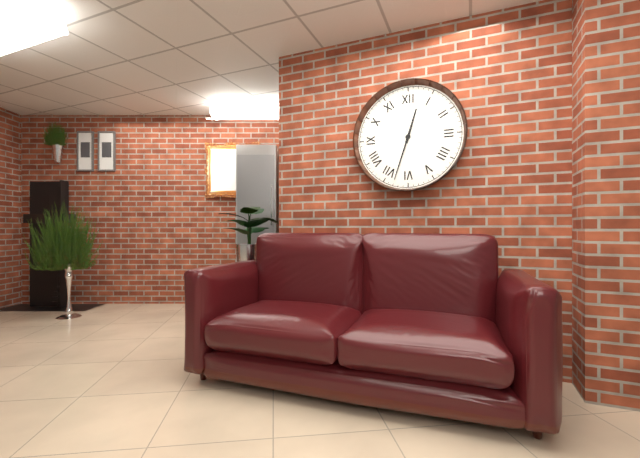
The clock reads 12h33
